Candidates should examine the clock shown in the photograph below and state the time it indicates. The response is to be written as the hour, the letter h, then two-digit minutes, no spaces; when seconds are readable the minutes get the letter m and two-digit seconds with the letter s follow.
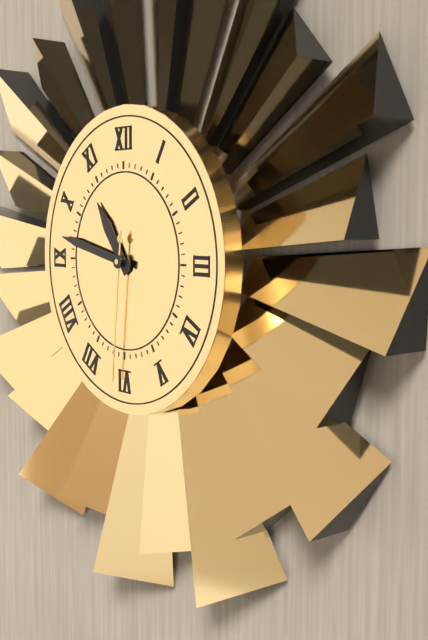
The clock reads 10h47m31s
